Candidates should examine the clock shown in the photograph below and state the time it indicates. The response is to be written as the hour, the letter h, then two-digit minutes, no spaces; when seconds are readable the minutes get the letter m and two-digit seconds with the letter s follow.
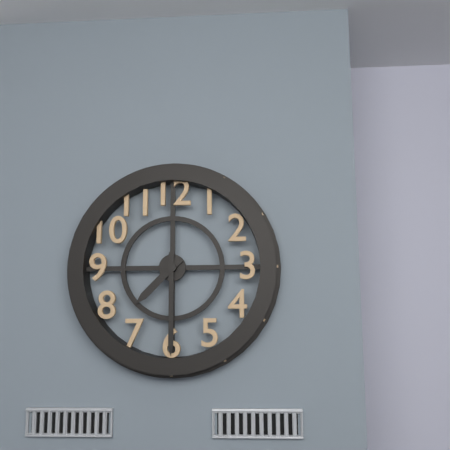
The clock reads 7h30
